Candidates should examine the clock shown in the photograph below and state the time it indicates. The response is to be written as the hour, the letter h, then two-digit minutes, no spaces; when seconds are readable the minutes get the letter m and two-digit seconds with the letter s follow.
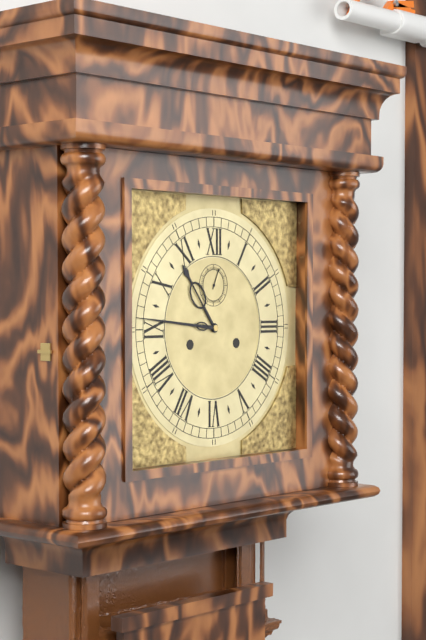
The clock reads 10h46
